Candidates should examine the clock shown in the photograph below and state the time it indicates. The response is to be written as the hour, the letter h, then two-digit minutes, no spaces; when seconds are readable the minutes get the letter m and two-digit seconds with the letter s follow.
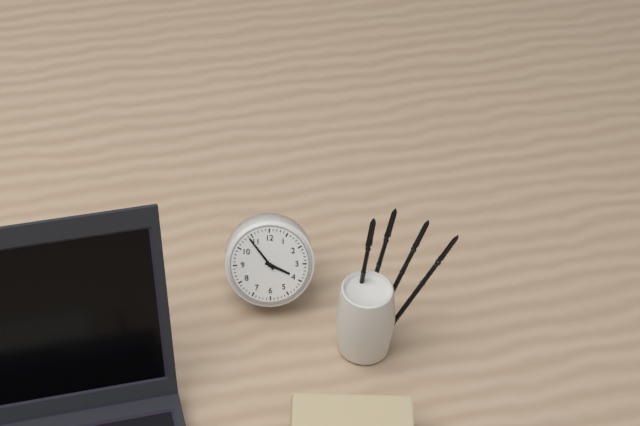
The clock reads 3h54
